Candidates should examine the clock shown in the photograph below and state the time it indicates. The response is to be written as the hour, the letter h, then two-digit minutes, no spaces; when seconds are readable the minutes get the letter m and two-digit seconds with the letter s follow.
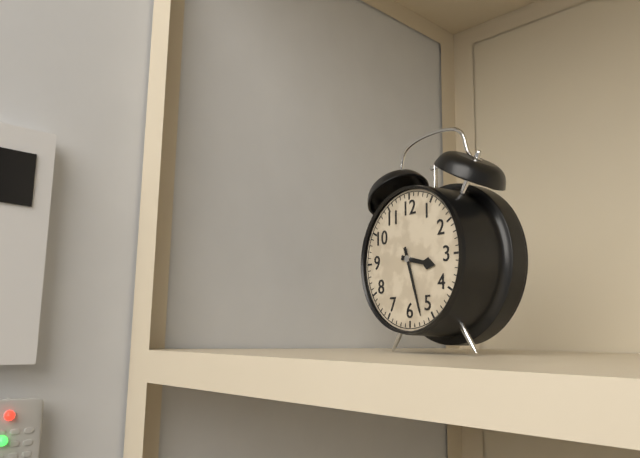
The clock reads 3h27
